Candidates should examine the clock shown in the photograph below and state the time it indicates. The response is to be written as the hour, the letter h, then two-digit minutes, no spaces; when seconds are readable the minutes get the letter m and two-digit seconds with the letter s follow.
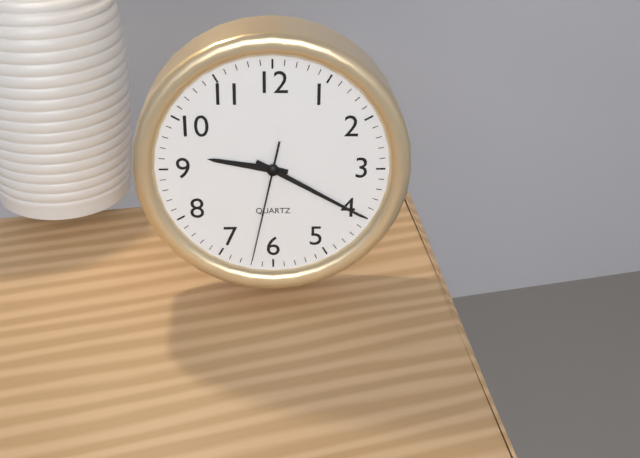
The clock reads 9h20m32s
